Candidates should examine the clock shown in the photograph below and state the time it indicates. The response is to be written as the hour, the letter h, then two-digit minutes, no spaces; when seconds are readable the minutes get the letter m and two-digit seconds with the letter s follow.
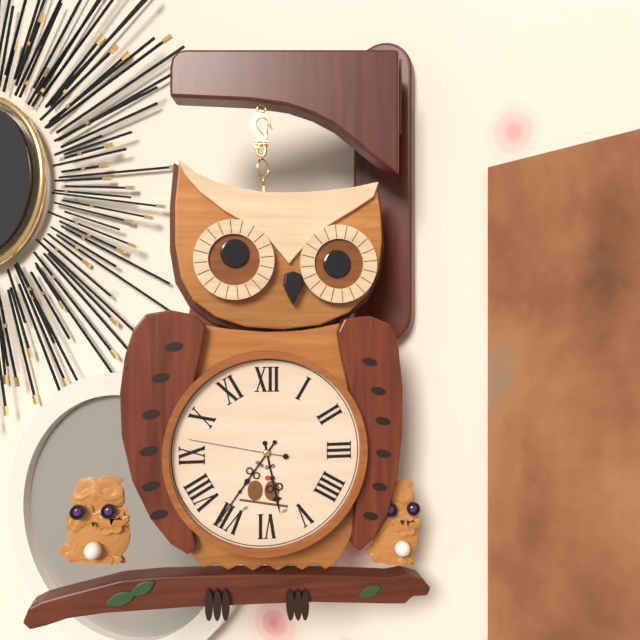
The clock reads 5h36m47s
